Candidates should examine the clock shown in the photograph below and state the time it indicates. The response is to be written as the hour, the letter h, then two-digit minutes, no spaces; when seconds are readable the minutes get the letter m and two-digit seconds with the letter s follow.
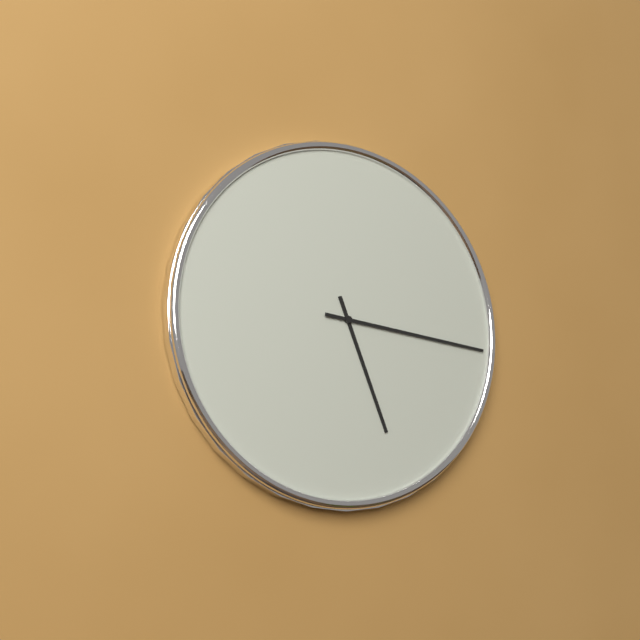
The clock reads 5h16
